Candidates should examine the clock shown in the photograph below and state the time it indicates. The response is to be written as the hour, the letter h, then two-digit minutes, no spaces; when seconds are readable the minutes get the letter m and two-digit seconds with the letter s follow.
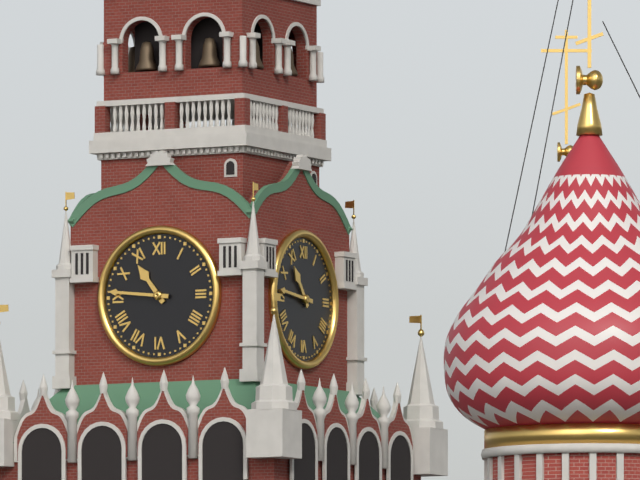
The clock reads 10h46
